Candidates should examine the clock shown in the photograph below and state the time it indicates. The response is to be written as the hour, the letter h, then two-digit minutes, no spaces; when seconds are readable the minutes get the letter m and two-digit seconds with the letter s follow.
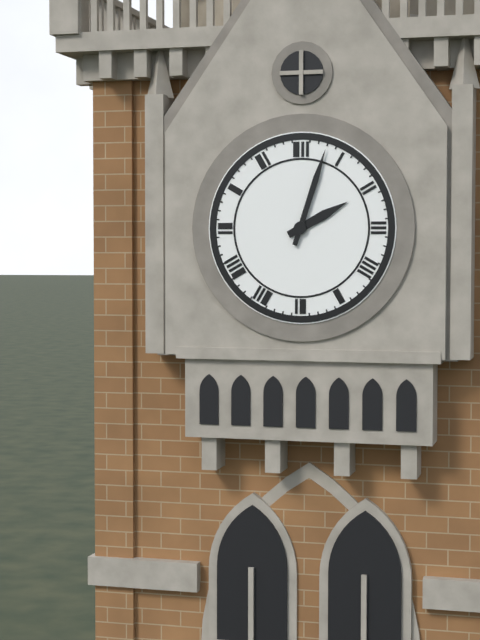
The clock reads 2h03
